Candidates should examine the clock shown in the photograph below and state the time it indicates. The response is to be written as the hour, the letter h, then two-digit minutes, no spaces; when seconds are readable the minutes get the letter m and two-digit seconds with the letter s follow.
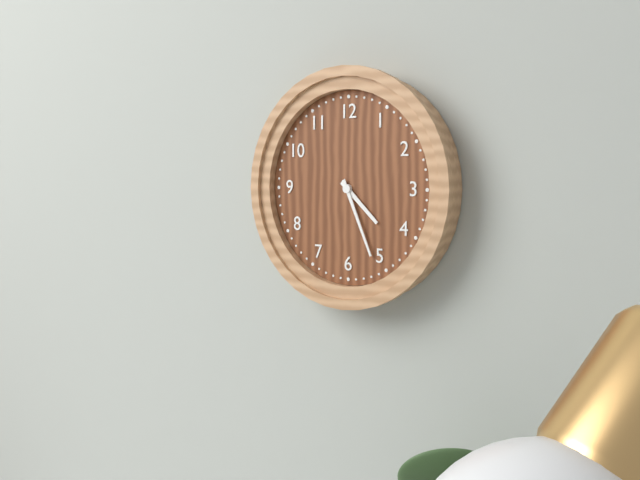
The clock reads 4h26
